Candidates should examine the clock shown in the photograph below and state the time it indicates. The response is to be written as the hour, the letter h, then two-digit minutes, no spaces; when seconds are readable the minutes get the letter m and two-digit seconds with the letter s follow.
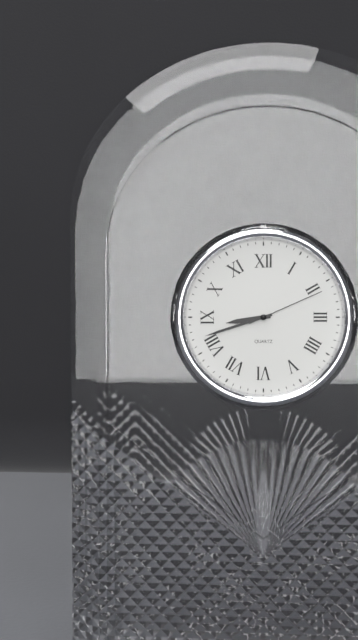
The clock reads 8h42m11s
